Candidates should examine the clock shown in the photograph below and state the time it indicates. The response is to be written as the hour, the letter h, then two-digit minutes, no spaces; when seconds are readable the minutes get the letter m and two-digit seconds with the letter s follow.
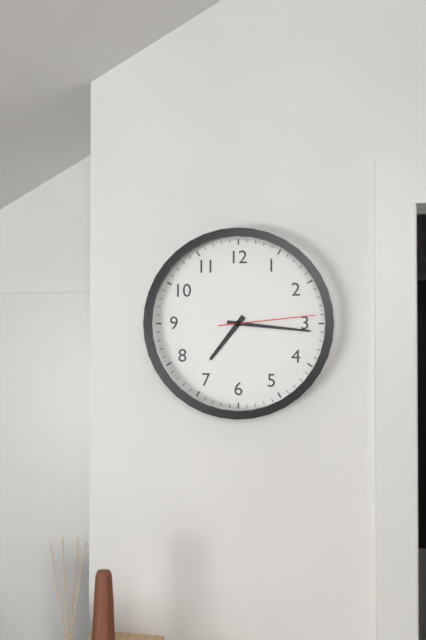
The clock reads 7h16m14s
